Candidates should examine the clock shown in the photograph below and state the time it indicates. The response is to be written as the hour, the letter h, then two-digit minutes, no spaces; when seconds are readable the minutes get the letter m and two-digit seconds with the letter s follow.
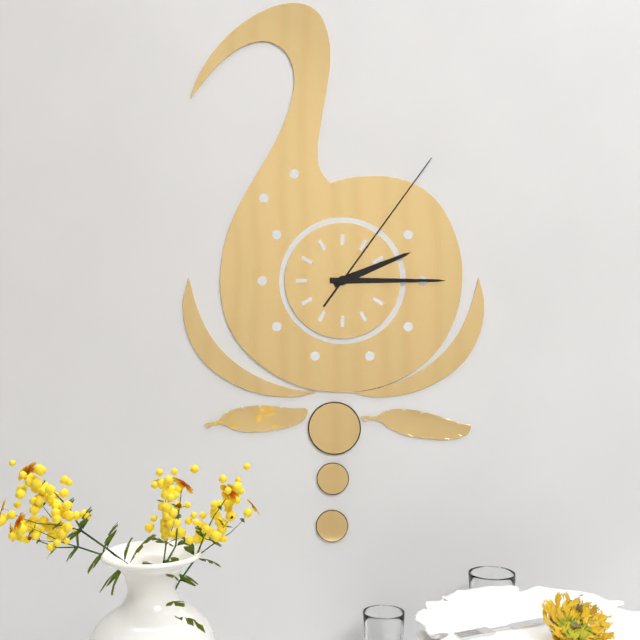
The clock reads 2h15m06s
